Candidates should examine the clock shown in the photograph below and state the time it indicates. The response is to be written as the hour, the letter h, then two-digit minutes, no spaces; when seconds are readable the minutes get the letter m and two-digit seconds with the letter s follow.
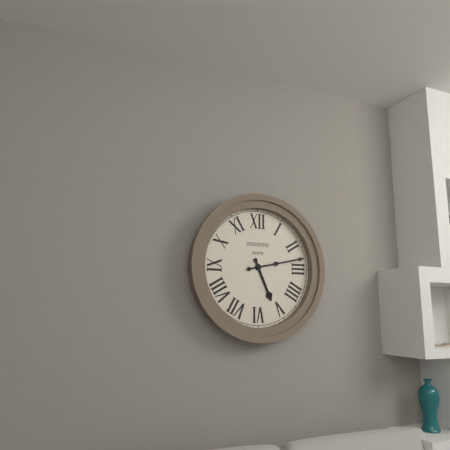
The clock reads 5h13
